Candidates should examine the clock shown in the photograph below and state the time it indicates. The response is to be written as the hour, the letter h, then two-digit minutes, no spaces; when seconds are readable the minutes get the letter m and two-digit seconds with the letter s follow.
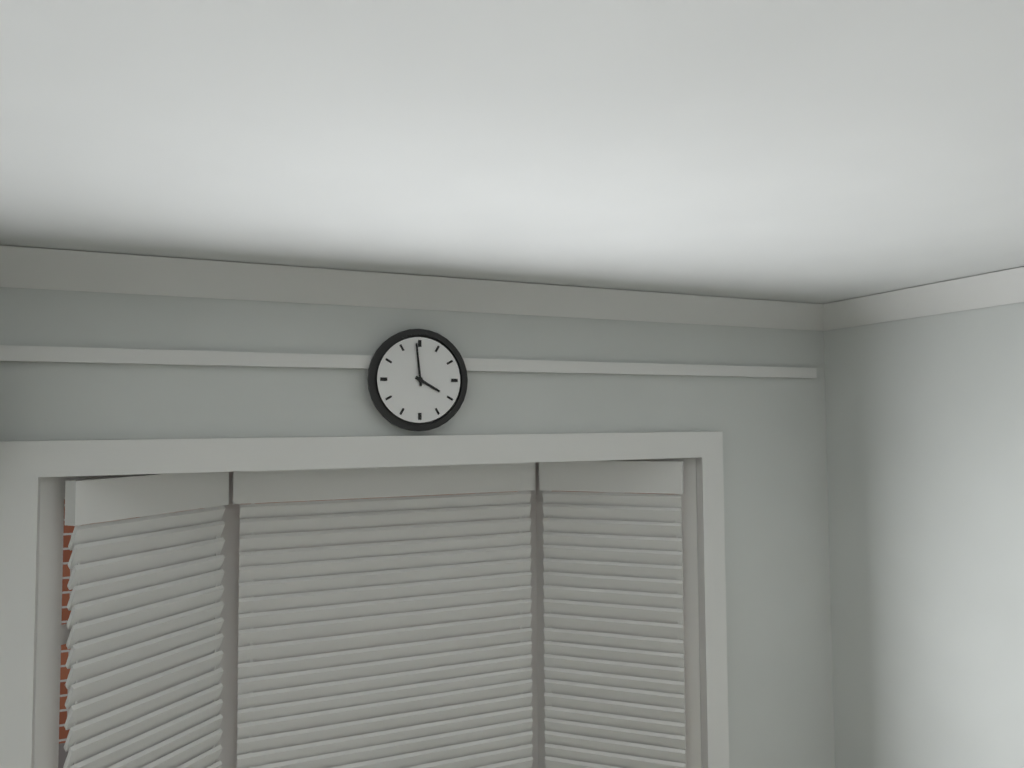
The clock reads 3h59
